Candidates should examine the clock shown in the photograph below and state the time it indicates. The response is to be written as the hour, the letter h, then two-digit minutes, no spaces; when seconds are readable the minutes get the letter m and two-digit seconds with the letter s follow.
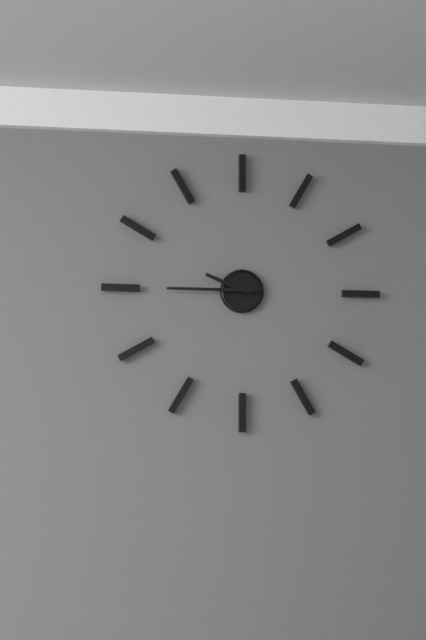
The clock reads 9h45
